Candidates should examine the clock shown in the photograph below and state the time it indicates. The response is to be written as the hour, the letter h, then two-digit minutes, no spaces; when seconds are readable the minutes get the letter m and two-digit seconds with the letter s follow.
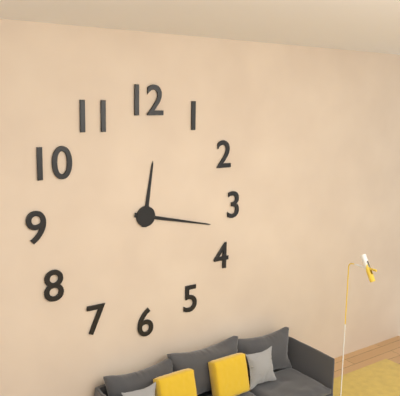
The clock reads 12h17
